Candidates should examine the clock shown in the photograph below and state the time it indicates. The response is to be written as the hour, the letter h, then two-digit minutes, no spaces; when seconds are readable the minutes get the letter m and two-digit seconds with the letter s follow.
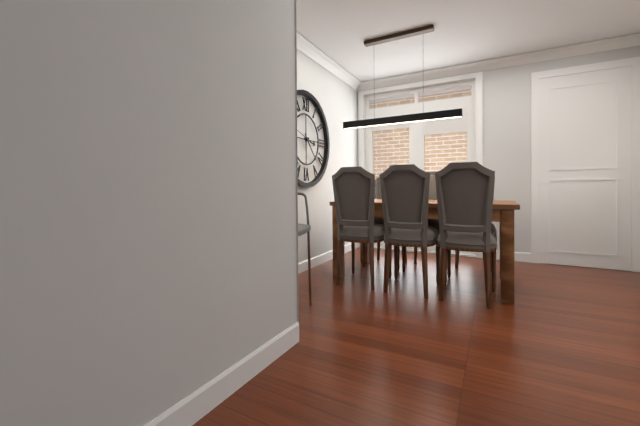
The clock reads 3h23
